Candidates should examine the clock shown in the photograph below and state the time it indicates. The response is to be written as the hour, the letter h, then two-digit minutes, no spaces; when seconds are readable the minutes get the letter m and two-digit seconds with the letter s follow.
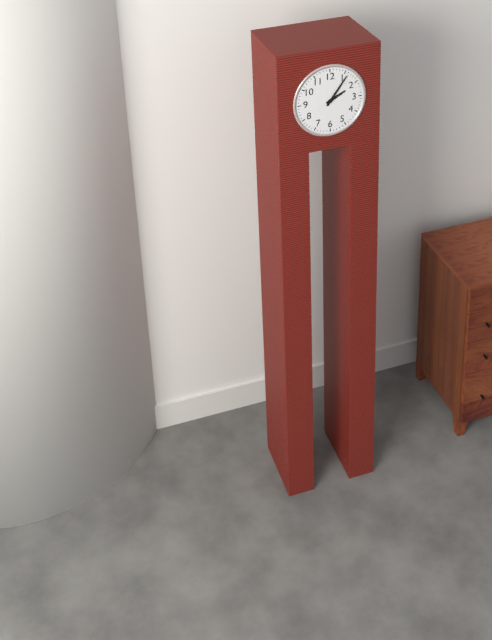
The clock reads 2h06
